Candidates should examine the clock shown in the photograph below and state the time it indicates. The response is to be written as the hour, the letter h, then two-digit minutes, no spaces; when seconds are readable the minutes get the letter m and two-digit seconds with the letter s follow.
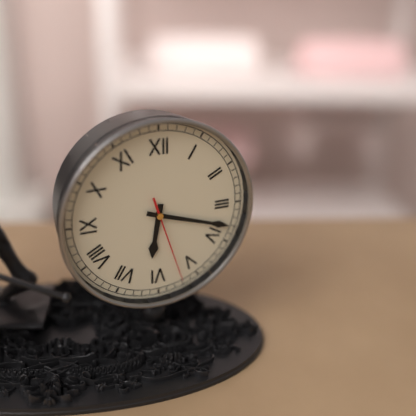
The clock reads 6h18m27s
